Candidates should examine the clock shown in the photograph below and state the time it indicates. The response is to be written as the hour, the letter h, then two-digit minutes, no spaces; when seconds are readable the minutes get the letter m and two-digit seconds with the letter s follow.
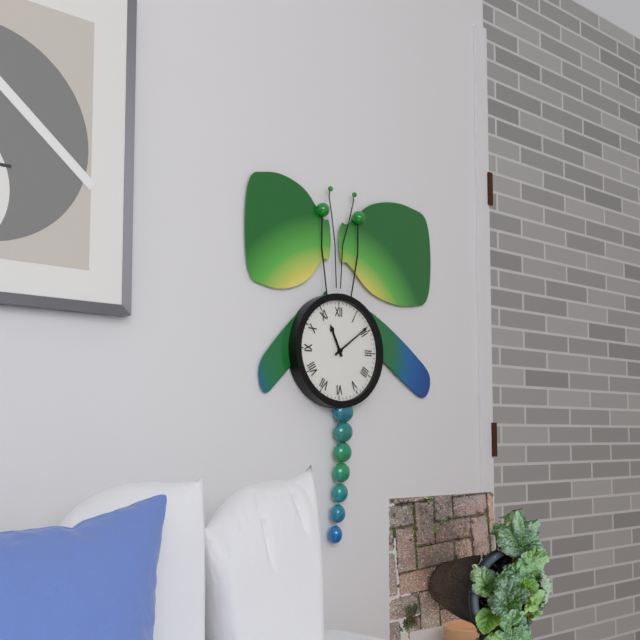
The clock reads 11h09
